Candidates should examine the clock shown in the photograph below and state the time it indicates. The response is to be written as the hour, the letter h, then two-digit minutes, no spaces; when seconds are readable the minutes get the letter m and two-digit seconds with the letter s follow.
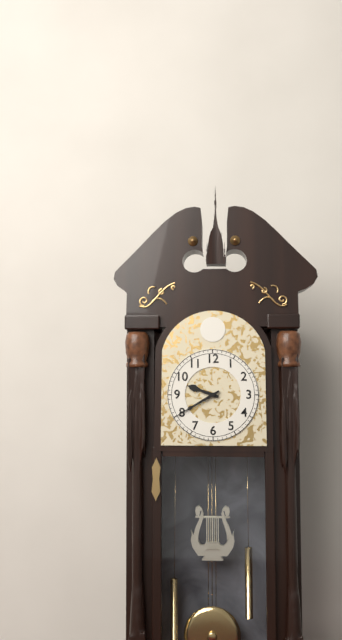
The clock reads 9h40
